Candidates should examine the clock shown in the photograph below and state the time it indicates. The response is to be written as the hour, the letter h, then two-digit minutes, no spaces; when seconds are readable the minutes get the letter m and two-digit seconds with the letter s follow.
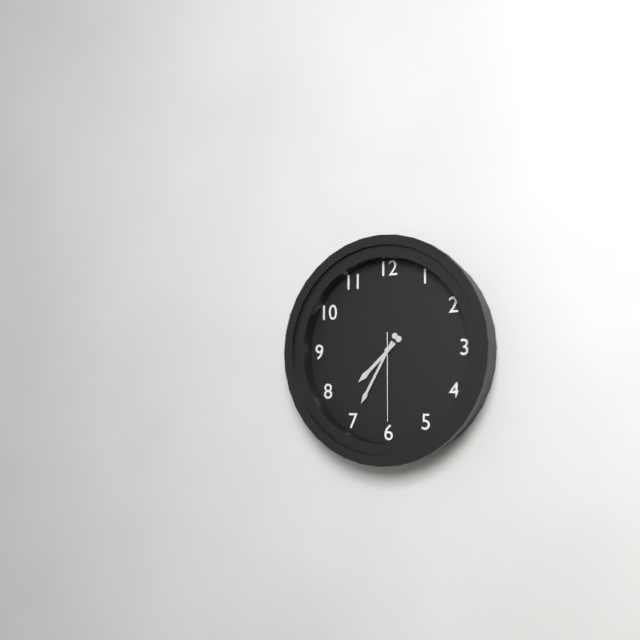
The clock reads 7h35m30s
